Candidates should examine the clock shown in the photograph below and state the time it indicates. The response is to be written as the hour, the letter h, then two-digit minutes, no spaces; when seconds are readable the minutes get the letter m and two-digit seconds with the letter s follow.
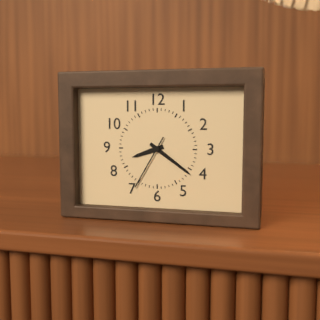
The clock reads 8h21m35s
